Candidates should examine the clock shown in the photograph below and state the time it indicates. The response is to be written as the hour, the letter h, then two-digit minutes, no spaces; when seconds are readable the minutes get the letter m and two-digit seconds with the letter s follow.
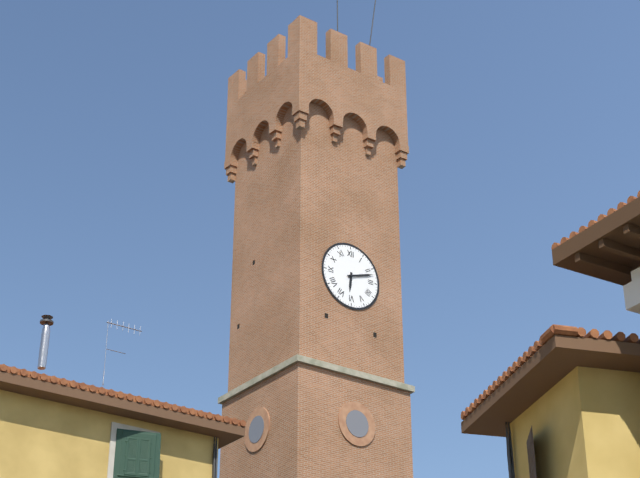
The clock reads 6h12
